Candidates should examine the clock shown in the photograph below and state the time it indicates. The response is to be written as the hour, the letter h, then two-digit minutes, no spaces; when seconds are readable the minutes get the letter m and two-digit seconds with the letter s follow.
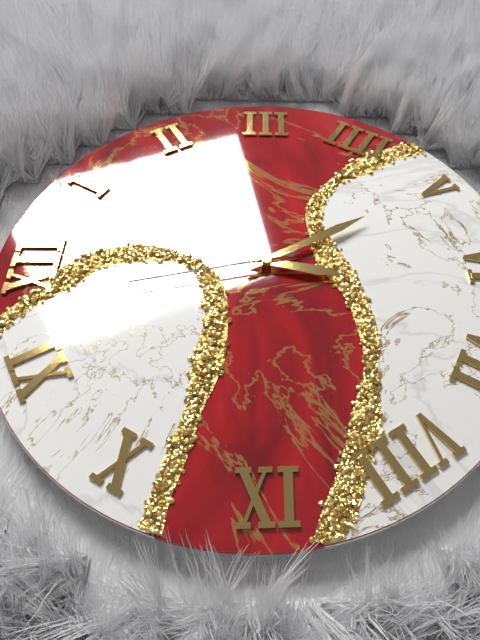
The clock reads 6h25m58s
